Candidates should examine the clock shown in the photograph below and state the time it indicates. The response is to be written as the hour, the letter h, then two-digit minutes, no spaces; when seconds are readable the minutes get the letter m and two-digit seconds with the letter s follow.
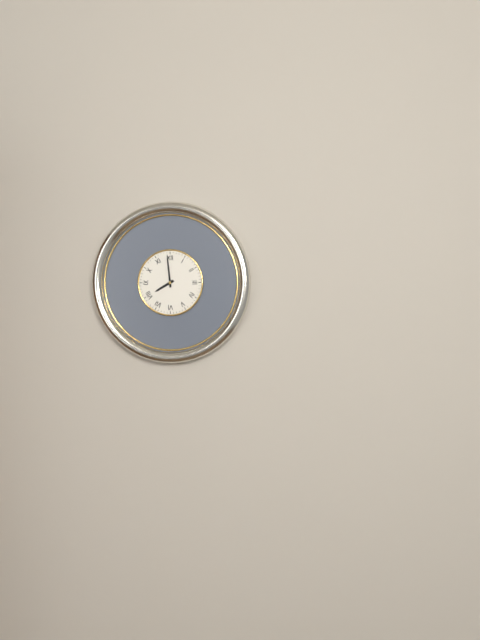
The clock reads 7h59
